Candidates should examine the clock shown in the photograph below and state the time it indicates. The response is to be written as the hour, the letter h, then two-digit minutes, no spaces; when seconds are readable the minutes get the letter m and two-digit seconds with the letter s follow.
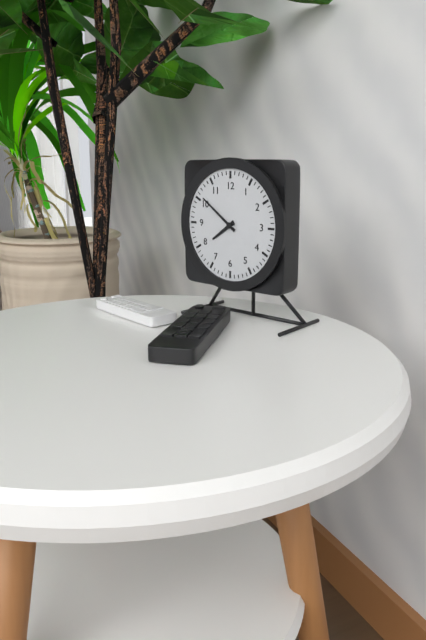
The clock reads 7h51
